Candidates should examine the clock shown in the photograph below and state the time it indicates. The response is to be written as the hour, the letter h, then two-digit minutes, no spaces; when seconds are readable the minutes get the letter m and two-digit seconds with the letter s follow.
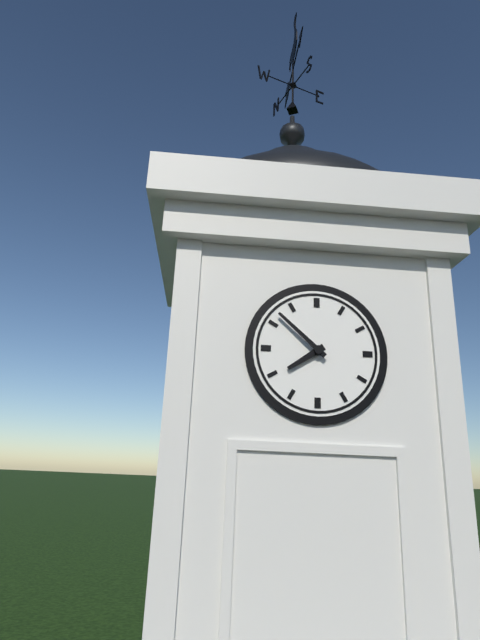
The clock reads 7h52
